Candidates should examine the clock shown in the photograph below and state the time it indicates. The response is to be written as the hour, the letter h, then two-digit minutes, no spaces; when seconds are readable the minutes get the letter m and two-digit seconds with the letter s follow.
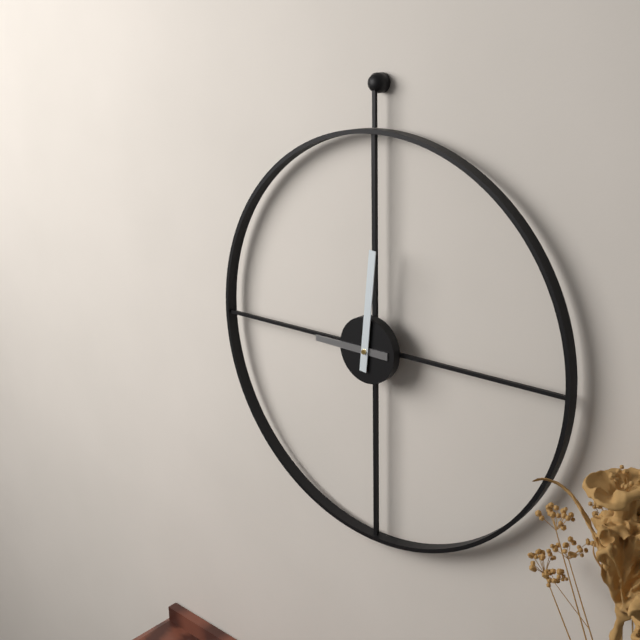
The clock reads 9h01
